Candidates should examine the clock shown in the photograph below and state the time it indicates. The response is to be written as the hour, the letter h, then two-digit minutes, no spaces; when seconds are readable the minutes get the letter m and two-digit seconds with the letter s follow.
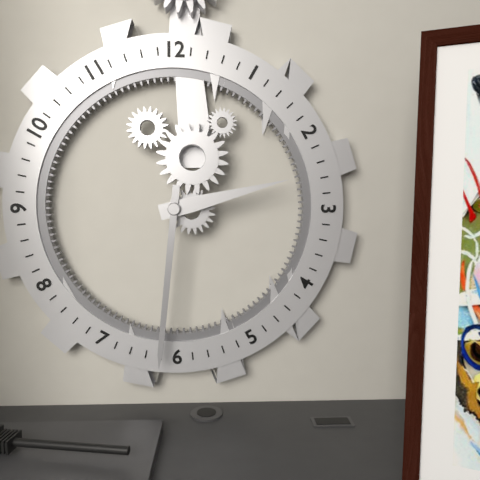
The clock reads 2h31
